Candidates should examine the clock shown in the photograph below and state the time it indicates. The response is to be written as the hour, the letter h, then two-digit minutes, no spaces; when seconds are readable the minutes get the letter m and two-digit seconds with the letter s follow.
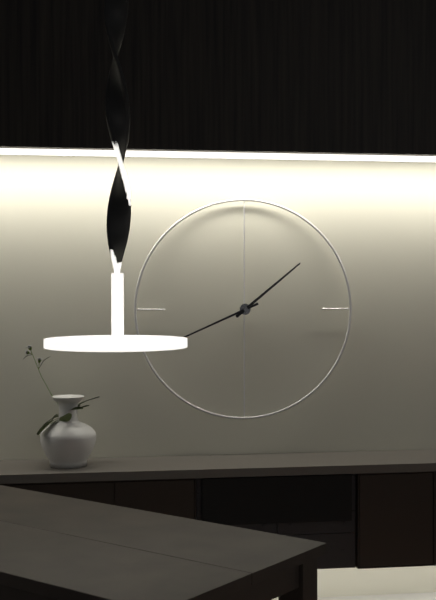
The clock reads 1h41
